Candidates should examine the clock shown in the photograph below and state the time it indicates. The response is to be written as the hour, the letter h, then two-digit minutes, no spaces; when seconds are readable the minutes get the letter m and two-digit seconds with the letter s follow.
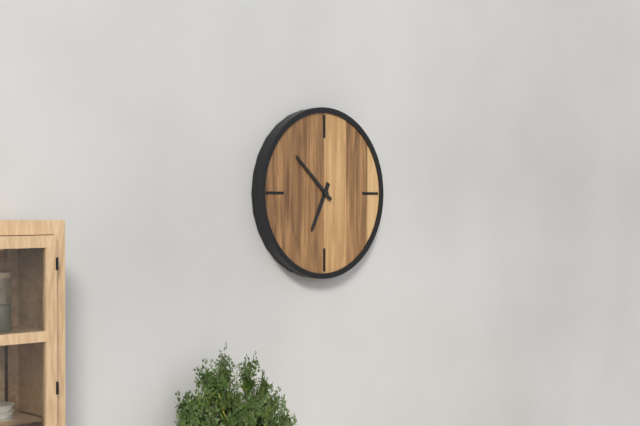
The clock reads 6h52
